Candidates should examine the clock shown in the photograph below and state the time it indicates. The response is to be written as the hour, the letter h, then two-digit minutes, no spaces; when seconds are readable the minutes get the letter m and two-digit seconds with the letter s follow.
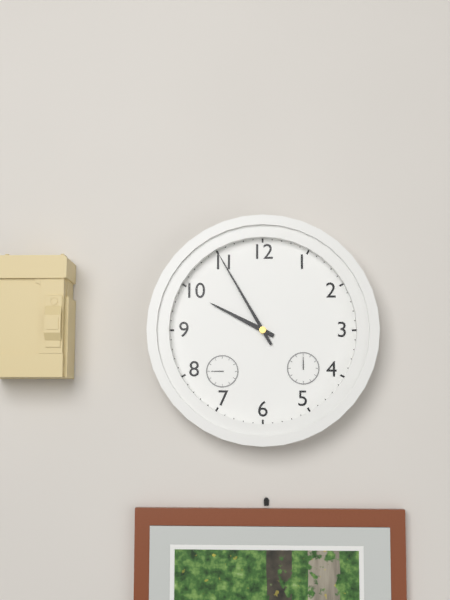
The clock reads 9h55
